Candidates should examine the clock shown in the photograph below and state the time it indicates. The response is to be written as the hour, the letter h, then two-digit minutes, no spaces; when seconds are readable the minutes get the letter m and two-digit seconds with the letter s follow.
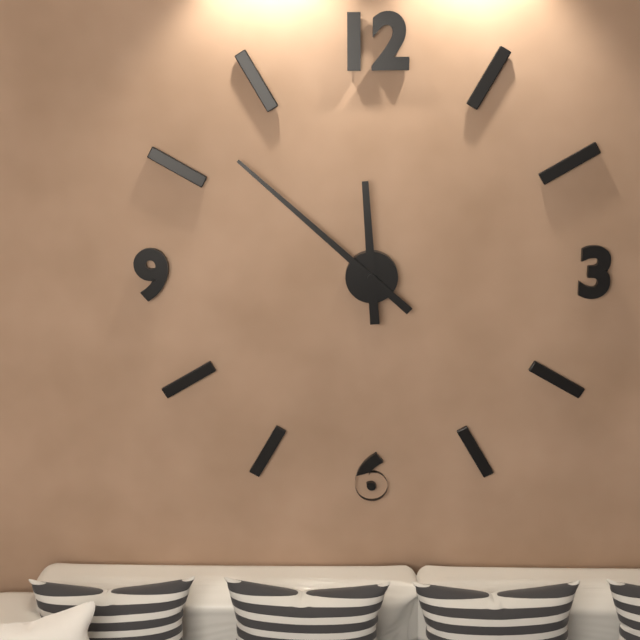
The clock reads 11h52
